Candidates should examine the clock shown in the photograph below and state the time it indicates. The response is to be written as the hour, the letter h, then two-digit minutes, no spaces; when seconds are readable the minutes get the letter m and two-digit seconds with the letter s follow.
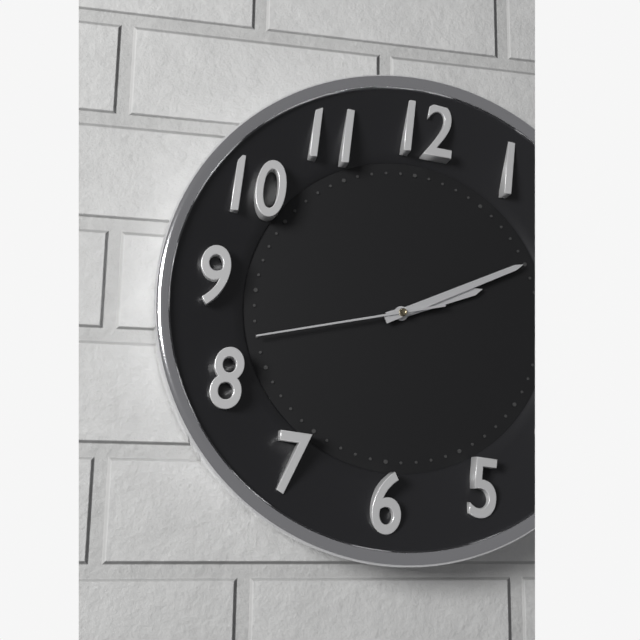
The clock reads 2h10m42s
